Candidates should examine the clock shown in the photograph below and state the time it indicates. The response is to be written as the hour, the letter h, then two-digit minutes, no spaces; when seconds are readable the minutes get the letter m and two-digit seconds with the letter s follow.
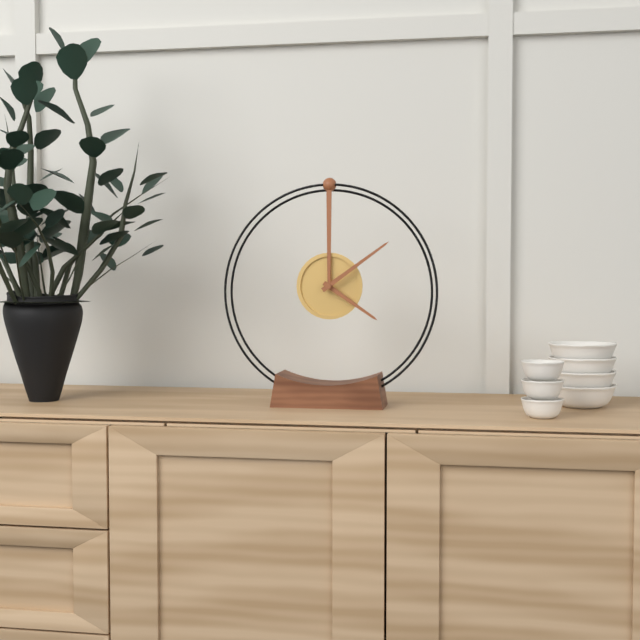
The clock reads 4h09
